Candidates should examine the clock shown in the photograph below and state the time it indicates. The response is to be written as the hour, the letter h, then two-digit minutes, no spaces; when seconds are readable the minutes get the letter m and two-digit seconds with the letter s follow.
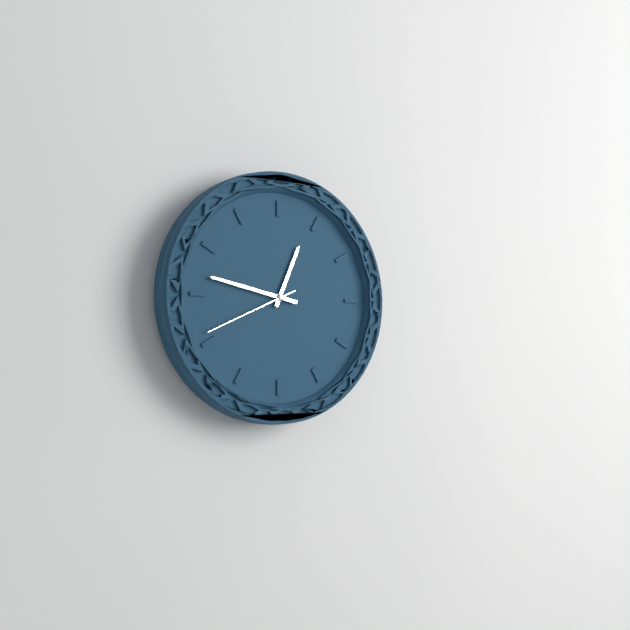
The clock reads 12h47m41s
